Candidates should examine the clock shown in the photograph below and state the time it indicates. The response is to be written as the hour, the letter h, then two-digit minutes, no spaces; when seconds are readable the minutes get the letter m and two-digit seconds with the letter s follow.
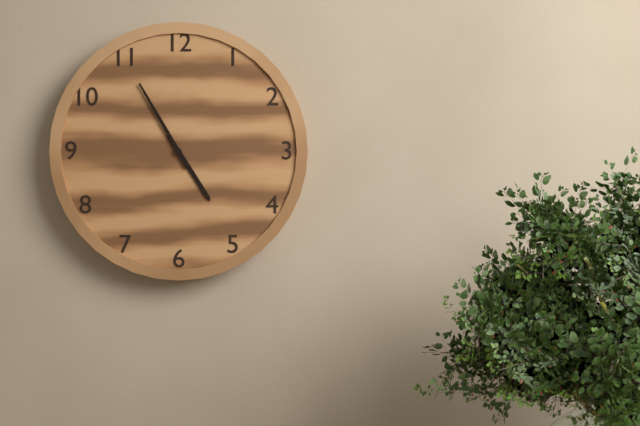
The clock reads 4h55
